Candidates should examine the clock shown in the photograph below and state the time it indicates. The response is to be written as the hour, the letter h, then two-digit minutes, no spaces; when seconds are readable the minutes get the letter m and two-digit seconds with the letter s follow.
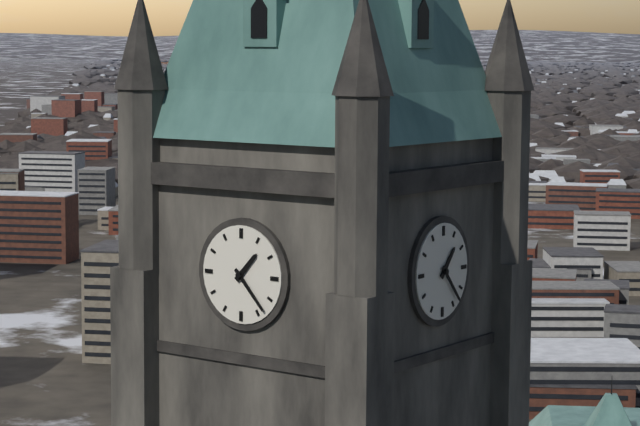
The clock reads 1h23
